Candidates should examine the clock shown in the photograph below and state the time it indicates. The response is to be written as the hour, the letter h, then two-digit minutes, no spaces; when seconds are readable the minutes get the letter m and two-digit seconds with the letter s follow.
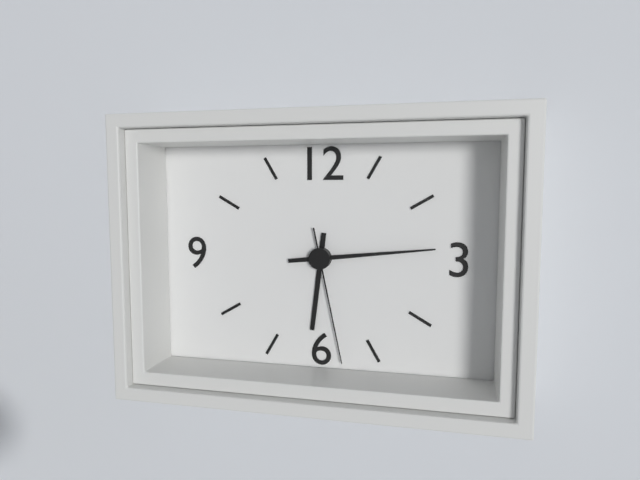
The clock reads 6h14m28s
